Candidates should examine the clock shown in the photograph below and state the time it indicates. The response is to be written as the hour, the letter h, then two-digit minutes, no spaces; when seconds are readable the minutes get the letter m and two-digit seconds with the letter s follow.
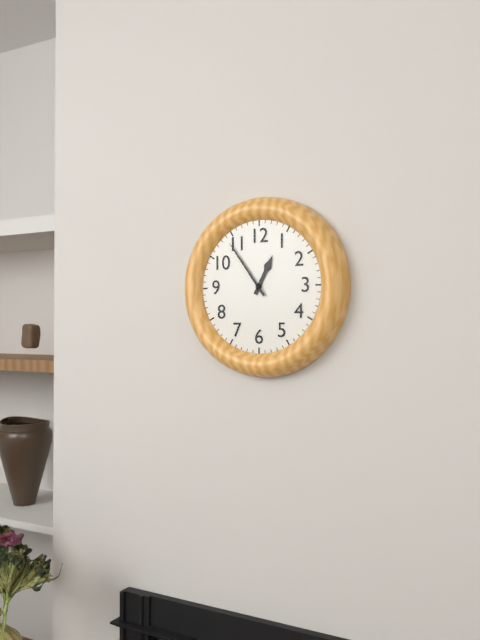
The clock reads 12h54
